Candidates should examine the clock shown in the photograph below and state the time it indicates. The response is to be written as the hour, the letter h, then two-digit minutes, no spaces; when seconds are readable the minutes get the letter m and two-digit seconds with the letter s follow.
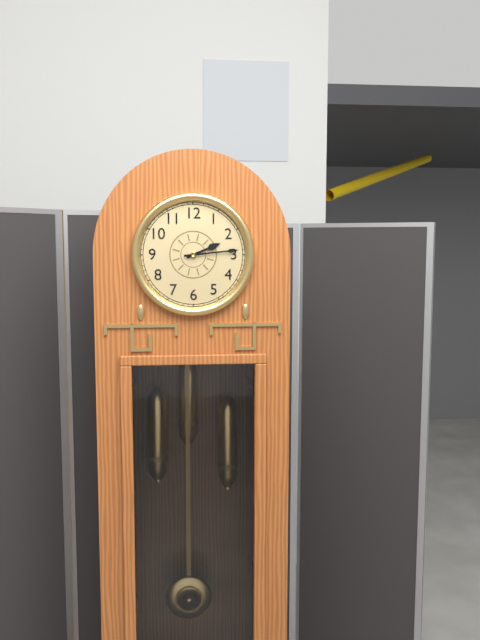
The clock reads 2h14
